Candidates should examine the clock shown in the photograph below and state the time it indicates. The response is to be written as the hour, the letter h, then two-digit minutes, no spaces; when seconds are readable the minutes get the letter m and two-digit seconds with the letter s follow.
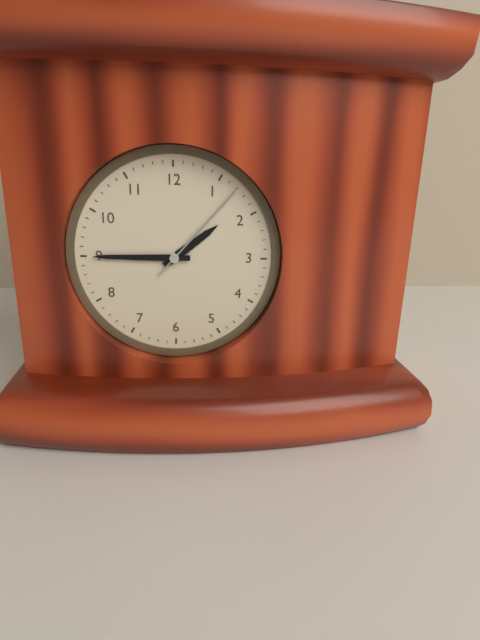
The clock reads 1h45m07s
